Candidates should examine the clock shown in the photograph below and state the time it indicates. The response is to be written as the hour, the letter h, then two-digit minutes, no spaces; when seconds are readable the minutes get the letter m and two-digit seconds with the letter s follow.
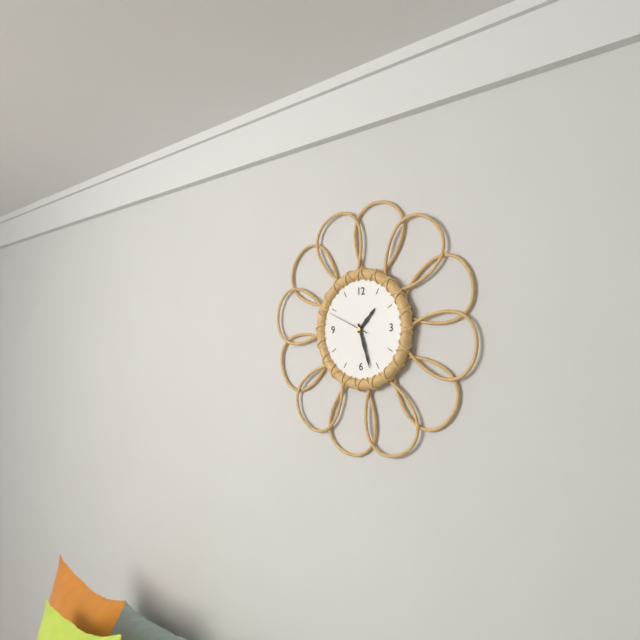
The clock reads 1h27
